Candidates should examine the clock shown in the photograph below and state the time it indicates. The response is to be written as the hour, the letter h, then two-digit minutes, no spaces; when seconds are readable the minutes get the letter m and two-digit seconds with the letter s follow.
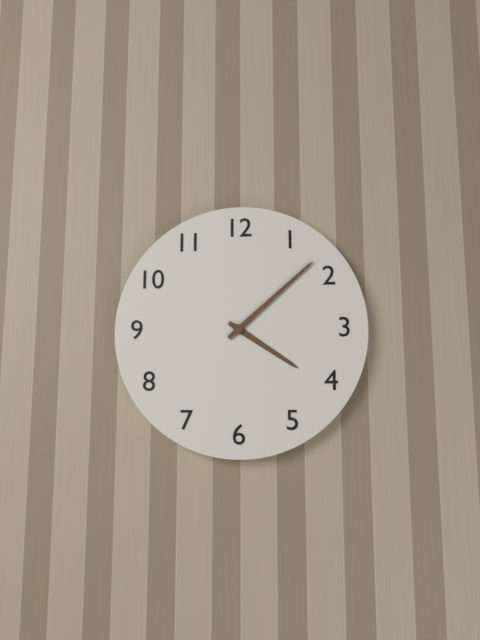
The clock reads 4h08
